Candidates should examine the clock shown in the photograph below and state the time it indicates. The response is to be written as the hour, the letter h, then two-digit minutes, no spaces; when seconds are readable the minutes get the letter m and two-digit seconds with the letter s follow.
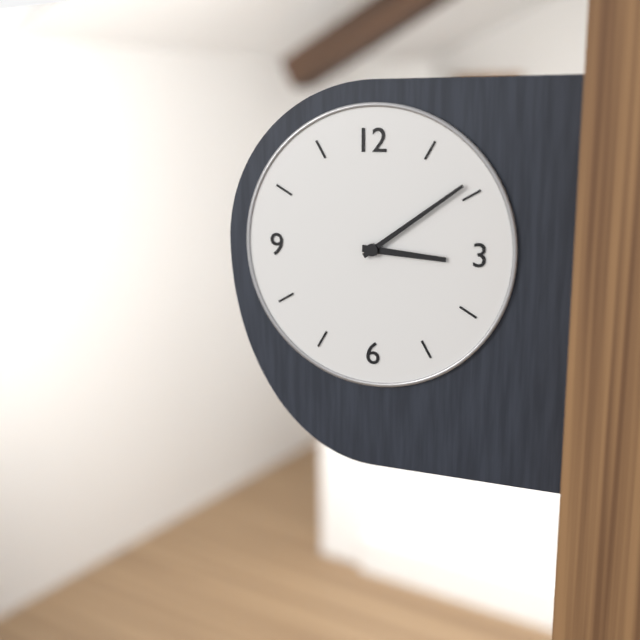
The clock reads 3h09
